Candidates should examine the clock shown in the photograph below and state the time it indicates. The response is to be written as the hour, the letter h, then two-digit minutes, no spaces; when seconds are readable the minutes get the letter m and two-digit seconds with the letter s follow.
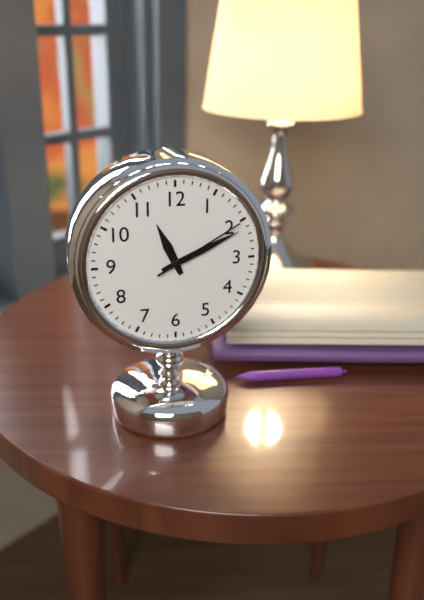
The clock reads 11h11m10s
